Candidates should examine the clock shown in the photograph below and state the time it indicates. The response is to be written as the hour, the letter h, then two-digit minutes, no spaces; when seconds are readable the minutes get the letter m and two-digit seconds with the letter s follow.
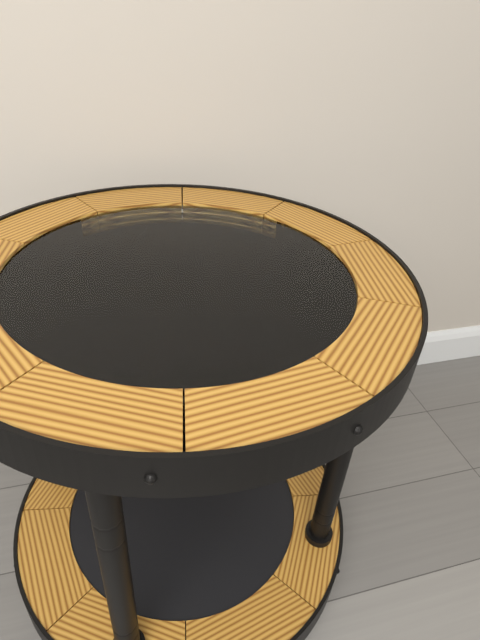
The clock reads 2h33
